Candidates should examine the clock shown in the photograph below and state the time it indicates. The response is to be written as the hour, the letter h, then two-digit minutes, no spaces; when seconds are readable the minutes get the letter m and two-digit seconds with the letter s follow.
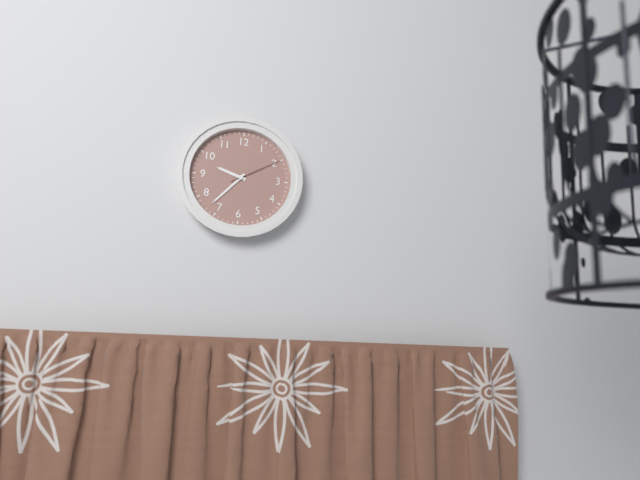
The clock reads 9h37m10s
